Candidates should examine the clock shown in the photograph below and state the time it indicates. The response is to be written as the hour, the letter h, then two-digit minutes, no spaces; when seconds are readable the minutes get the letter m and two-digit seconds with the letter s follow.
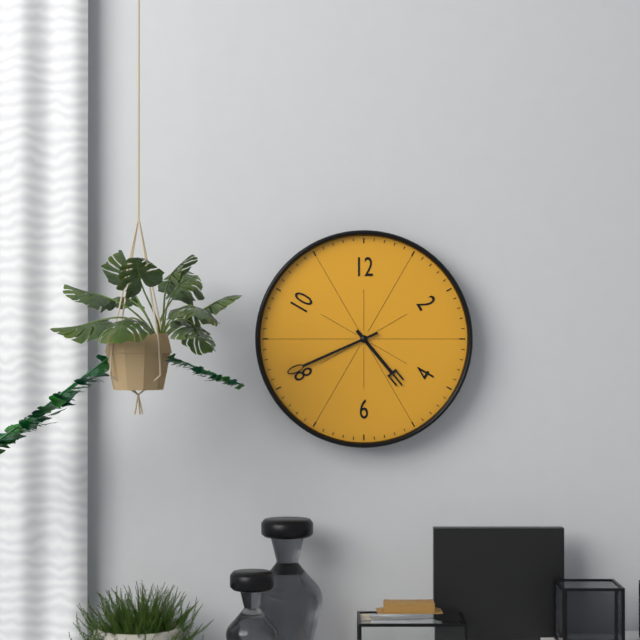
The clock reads 4h41
